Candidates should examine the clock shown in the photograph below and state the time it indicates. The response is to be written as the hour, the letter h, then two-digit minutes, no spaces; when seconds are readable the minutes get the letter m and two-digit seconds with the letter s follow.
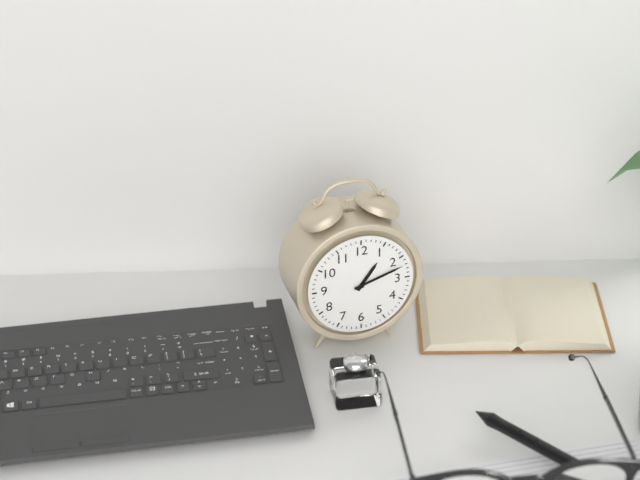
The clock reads 1h12
